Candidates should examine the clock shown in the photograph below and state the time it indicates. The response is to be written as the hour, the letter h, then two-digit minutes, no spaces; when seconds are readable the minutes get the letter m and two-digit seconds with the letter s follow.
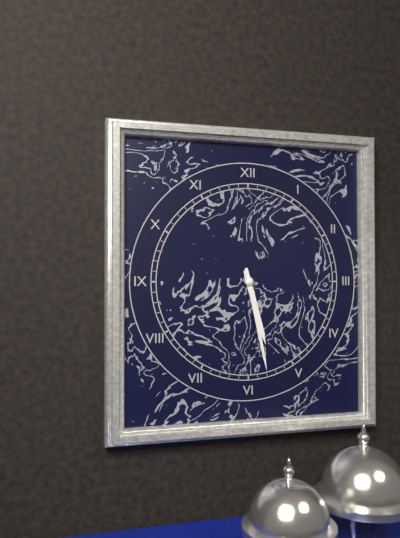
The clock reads 5h28
